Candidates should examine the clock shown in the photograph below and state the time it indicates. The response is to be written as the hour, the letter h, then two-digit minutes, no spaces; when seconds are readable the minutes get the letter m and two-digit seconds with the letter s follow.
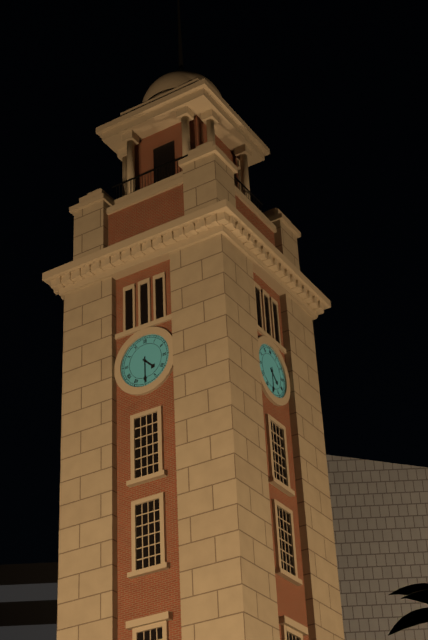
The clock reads 4h30
